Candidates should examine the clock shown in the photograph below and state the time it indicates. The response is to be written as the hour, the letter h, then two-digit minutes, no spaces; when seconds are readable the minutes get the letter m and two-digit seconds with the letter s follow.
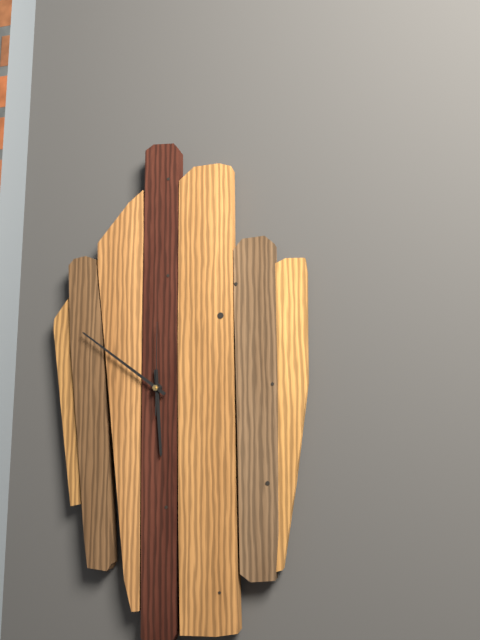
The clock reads 5h51m00s
